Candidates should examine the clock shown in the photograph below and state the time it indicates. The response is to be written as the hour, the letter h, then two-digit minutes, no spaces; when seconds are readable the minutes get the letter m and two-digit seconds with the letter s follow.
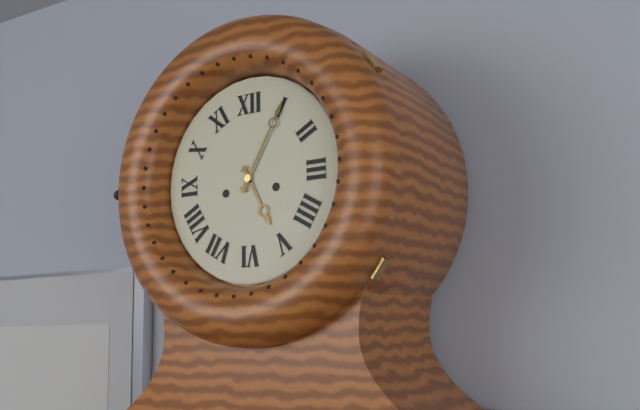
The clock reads 5h05
